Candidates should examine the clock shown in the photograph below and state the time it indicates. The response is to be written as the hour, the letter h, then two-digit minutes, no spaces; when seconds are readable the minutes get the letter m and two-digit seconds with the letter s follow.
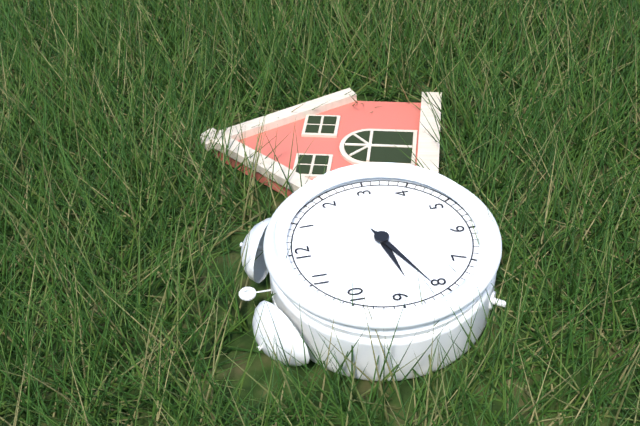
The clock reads 8h41
